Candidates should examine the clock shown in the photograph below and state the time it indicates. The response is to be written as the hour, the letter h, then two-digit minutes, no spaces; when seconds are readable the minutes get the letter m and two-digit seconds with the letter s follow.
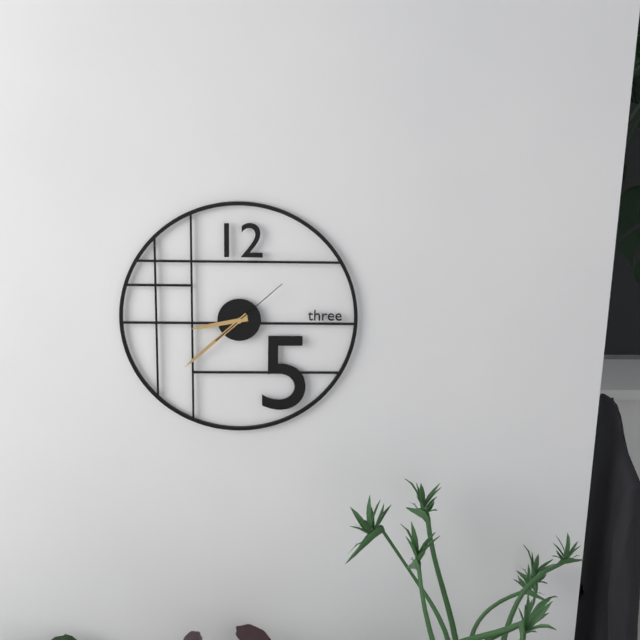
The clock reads 8h38m08s
